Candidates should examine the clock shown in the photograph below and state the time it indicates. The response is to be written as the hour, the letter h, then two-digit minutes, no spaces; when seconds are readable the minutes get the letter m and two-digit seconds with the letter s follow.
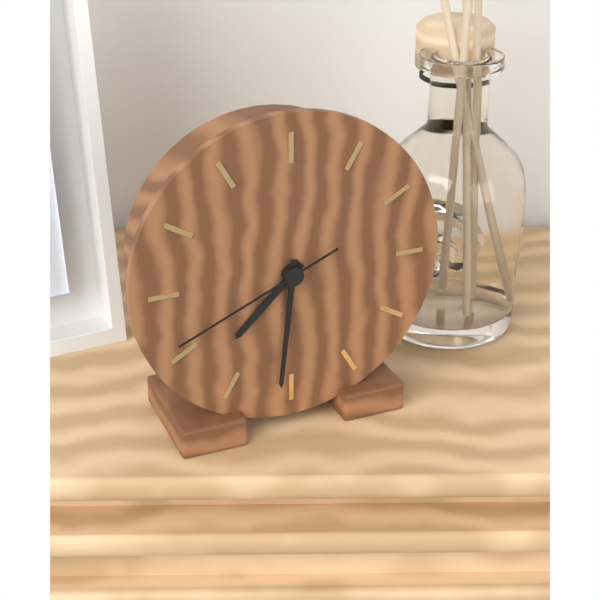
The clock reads 7h31m41s
